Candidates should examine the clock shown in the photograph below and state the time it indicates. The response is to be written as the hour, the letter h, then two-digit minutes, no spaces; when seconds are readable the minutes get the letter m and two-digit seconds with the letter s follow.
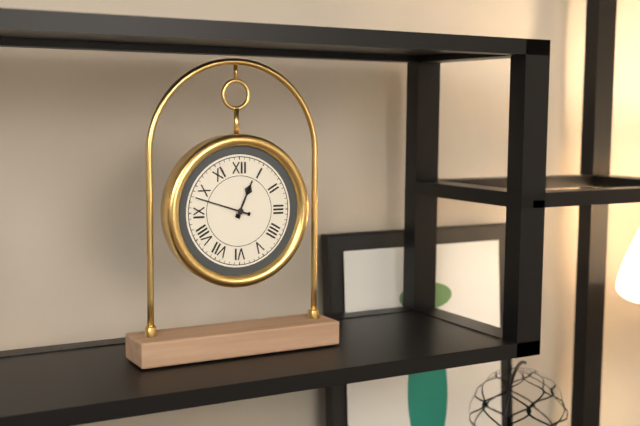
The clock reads 12h48
